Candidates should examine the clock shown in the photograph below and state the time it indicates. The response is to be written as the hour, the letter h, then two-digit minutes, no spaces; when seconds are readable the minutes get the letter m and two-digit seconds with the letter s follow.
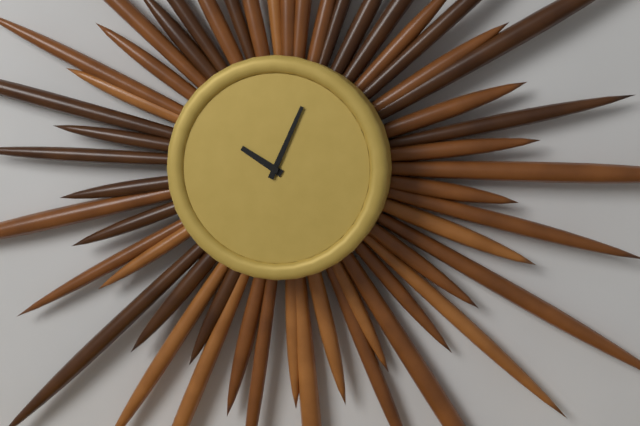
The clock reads 10h04
